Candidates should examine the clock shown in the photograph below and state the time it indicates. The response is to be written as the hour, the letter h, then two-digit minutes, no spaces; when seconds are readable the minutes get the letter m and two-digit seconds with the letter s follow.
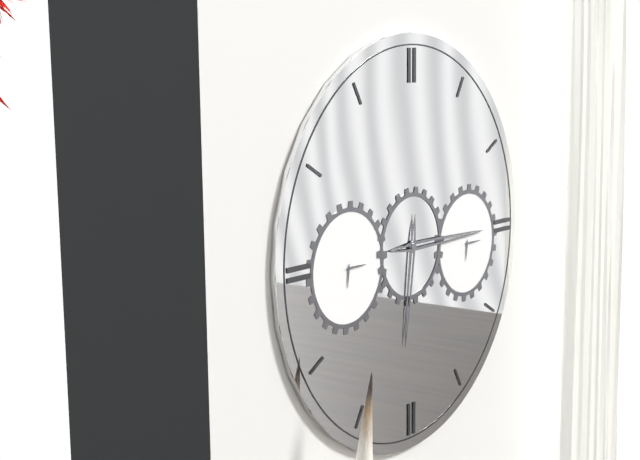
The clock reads 6h15
